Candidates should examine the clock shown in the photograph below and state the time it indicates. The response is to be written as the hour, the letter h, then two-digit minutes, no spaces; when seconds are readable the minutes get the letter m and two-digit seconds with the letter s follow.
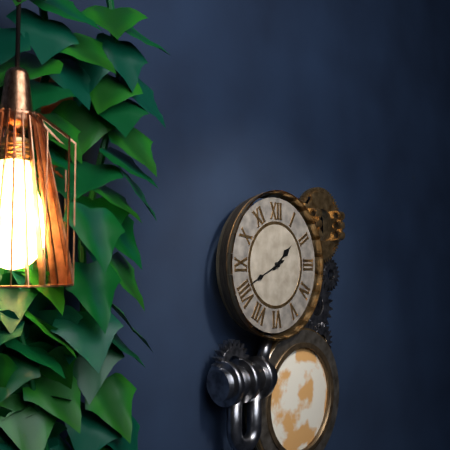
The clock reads 1h41
